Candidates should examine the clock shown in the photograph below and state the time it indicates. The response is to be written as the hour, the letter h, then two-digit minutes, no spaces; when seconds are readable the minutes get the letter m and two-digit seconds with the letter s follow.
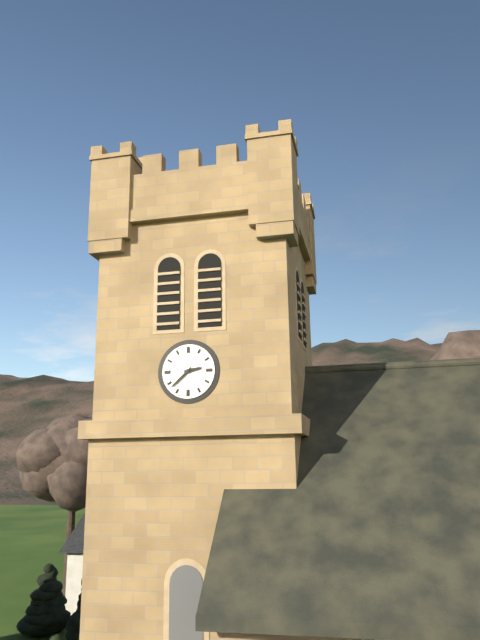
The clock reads 2h38
